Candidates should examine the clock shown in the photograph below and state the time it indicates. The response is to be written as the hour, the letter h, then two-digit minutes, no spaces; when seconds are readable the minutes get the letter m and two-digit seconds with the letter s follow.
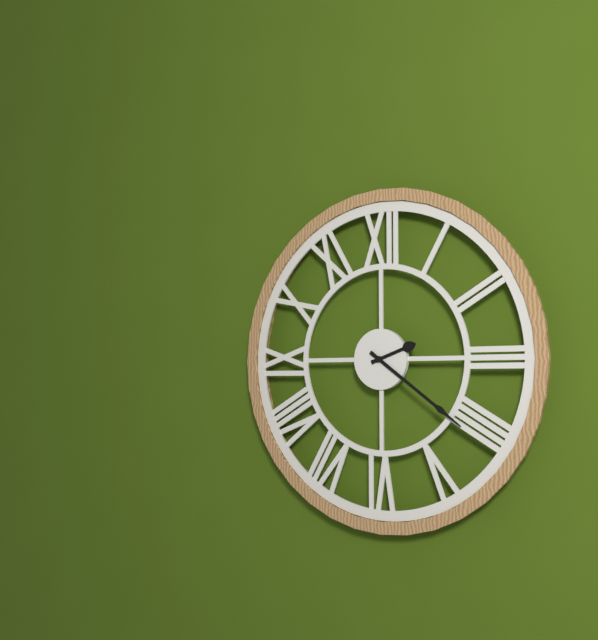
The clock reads 2h21
